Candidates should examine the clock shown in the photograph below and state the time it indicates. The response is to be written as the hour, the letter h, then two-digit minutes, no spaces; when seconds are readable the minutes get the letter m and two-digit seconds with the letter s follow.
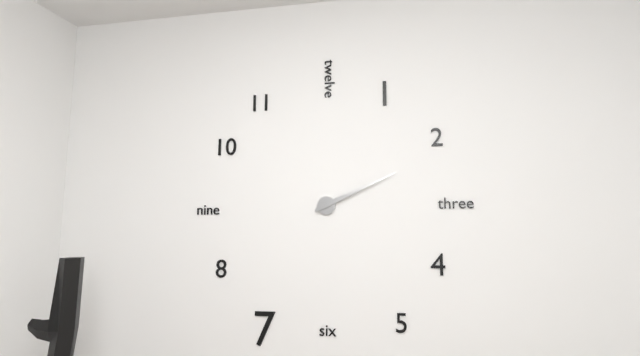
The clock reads 2h11
